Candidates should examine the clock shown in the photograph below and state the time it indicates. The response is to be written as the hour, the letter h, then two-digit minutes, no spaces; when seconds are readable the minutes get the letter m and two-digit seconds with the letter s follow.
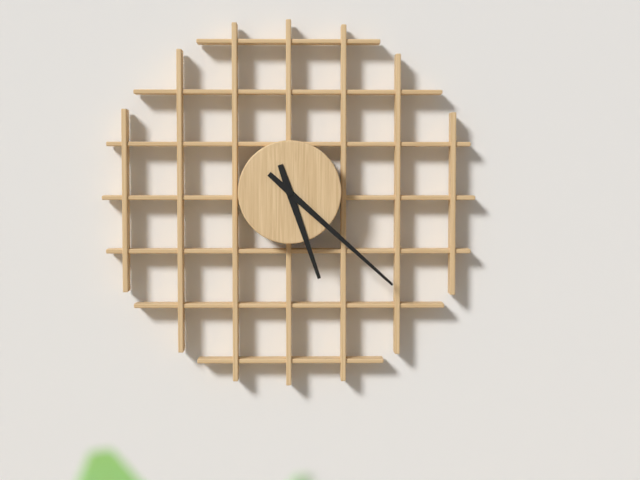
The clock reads 5h22
